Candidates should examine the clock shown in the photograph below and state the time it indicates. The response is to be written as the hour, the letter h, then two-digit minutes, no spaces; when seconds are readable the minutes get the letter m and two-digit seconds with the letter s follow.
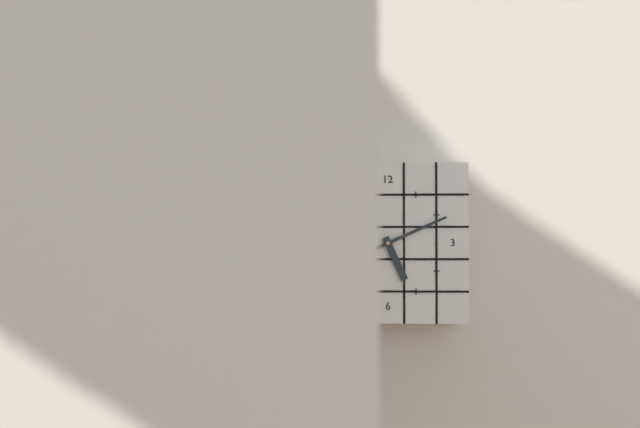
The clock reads 5h11
